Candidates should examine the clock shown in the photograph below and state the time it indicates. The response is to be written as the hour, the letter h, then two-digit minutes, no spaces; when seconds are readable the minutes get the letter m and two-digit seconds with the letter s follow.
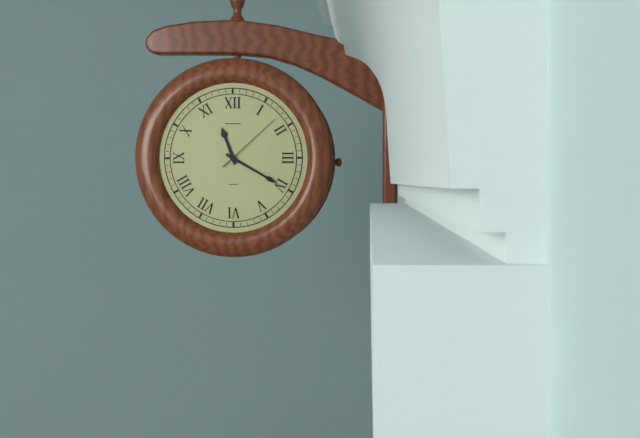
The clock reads 11h20m08s
